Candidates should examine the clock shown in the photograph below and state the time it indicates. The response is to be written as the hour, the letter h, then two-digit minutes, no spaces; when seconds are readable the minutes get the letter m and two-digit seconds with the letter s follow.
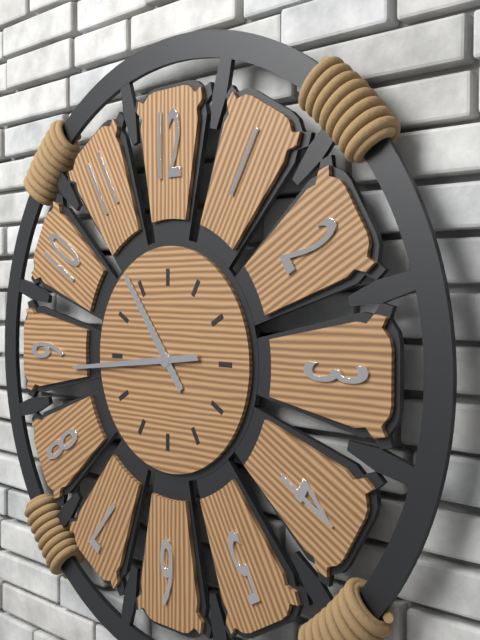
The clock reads 10h44
